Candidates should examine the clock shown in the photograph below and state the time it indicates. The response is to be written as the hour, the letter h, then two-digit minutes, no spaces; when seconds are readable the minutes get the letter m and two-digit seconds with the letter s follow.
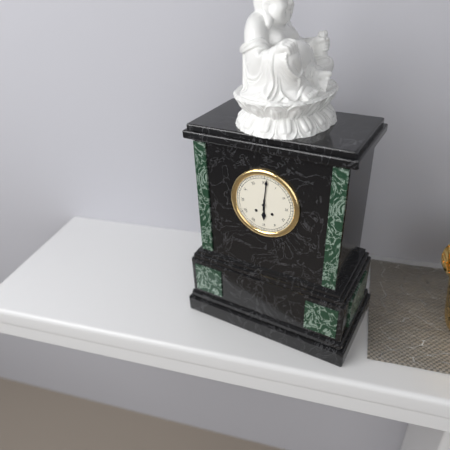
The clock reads 6h01
